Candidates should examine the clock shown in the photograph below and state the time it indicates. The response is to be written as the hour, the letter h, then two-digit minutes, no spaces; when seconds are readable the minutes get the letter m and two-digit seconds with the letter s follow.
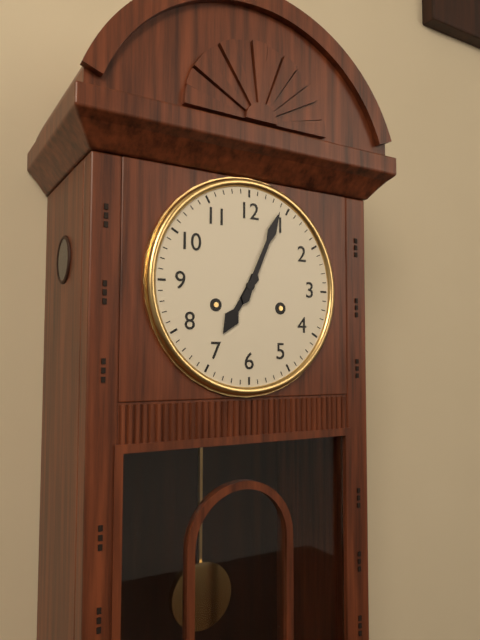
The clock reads 7h04
